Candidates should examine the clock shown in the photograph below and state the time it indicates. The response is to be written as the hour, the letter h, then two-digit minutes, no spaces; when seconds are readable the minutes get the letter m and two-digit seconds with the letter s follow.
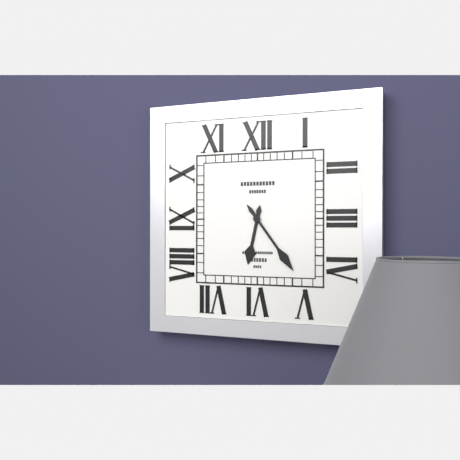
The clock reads 6h24
